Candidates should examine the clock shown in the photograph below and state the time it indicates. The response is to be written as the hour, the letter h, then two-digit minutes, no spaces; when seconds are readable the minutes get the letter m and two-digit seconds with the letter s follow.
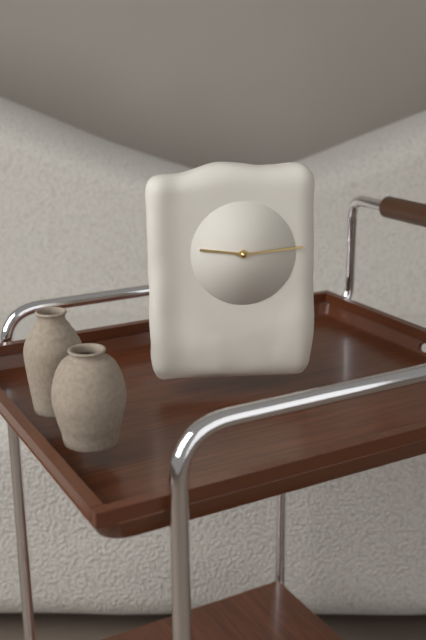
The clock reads 9h14
